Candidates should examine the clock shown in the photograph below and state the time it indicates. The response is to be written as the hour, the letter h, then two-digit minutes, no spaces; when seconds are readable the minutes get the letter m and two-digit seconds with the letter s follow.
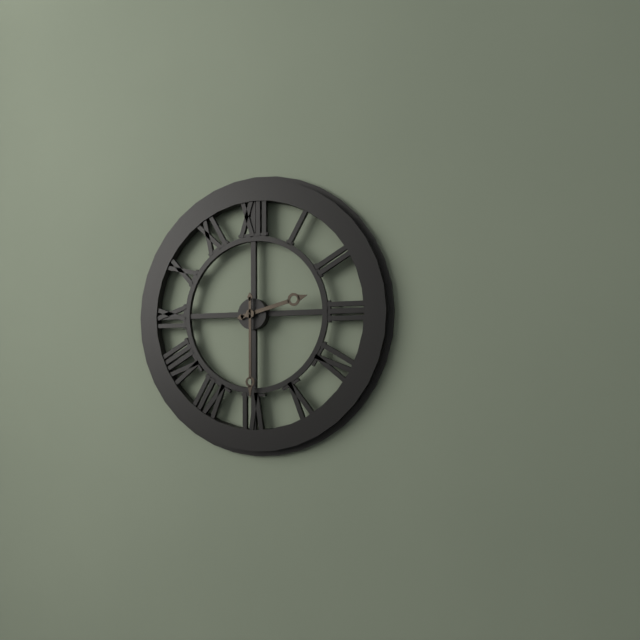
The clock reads 2h30
